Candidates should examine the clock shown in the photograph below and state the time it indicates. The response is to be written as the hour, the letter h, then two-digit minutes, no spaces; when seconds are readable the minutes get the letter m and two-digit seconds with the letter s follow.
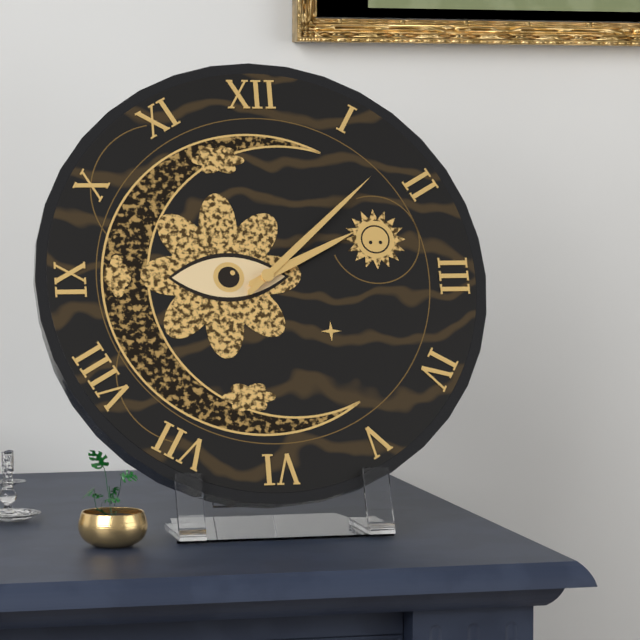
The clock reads 2h08
